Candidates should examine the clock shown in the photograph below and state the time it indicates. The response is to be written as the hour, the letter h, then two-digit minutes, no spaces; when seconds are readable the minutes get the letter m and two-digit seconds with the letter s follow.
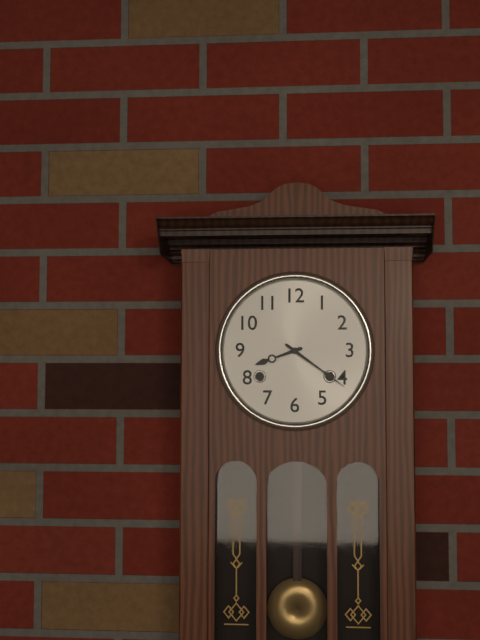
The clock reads 8h21
